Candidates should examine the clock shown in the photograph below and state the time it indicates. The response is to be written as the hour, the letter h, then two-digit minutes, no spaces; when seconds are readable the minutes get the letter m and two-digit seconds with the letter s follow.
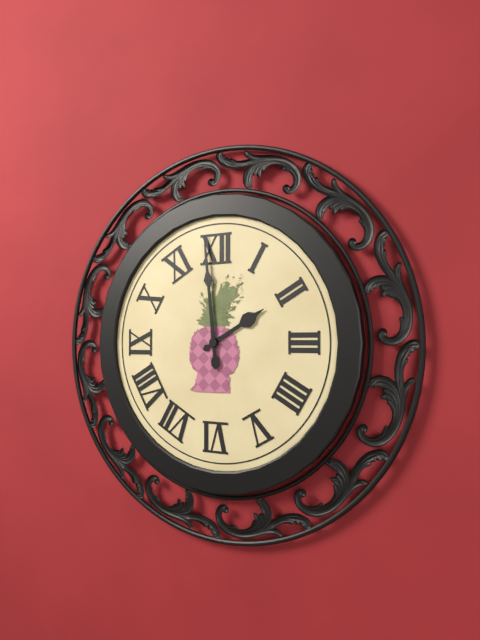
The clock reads 1h59
